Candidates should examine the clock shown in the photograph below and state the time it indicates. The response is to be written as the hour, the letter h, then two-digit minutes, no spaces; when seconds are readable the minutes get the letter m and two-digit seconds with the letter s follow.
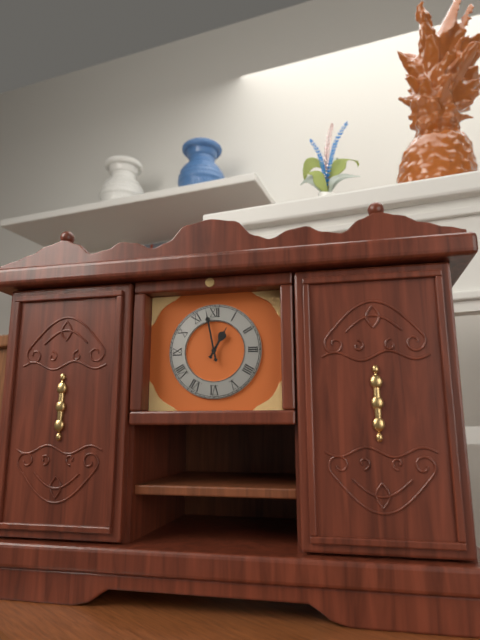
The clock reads 12h58
